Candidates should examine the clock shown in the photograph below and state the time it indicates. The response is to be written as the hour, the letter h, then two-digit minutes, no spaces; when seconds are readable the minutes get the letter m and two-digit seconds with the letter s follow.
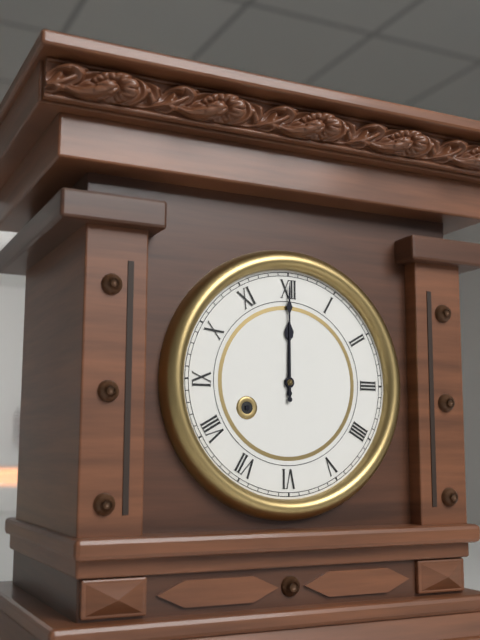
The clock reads 12h00
